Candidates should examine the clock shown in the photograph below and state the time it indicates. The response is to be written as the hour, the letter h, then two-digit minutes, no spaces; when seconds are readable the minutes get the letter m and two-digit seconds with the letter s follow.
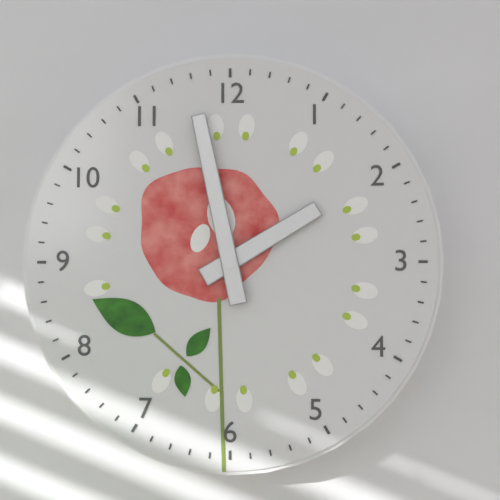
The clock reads 1h58
